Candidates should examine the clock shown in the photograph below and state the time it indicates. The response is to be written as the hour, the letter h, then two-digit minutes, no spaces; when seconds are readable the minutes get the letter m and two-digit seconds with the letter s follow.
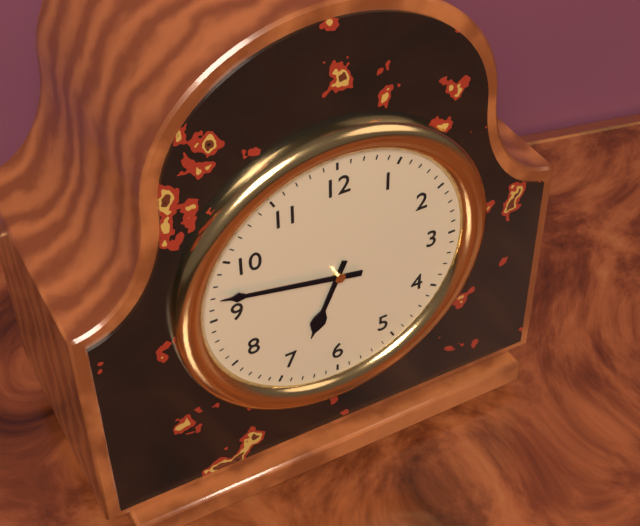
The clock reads 6h47
